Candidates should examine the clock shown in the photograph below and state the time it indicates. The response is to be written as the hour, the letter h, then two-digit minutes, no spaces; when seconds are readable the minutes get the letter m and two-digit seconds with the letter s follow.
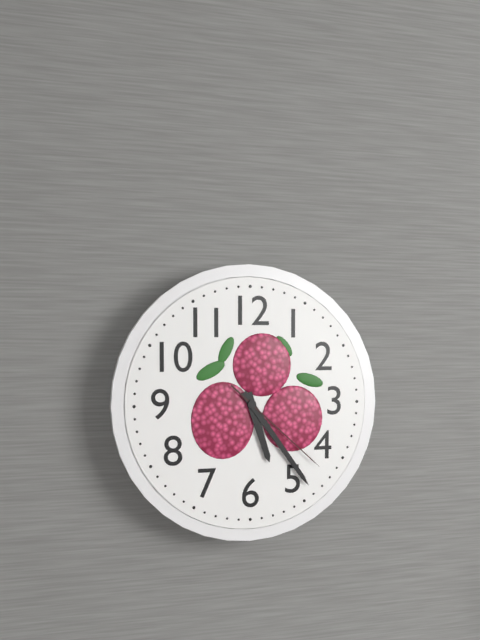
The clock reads 5h24m22s
